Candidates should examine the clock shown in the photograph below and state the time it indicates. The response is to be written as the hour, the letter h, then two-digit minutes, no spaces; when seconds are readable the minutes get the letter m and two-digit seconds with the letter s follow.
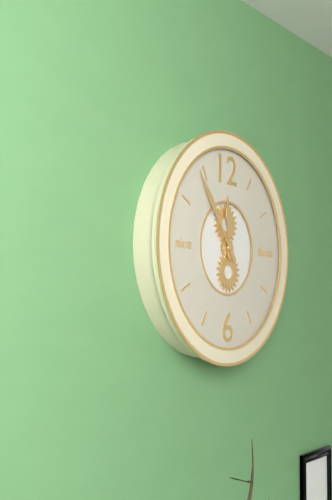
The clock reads 11h54
